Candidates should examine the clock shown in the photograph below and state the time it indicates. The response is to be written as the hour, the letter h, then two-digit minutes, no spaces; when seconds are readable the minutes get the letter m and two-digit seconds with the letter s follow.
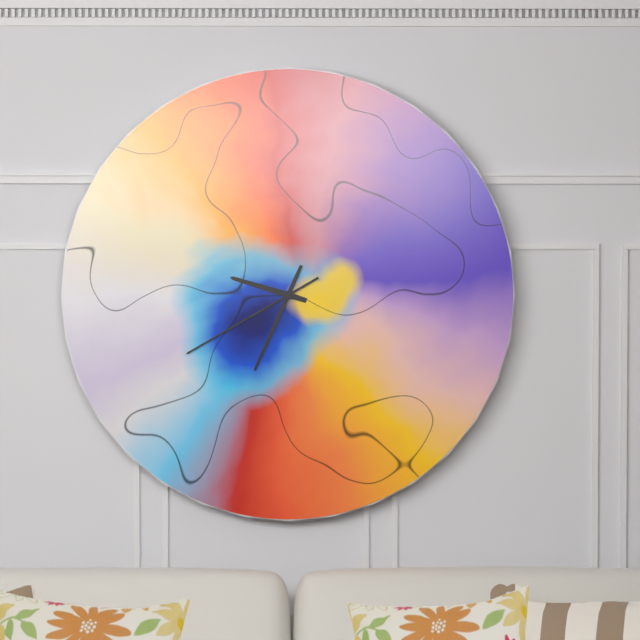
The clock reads 9h34m40s
